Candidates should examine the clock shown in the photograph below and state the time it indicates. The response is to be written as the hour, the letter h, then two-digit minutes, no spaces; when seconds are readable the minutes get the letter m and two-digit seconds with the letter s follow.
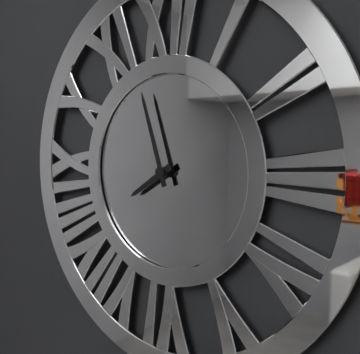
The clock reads 7h57
